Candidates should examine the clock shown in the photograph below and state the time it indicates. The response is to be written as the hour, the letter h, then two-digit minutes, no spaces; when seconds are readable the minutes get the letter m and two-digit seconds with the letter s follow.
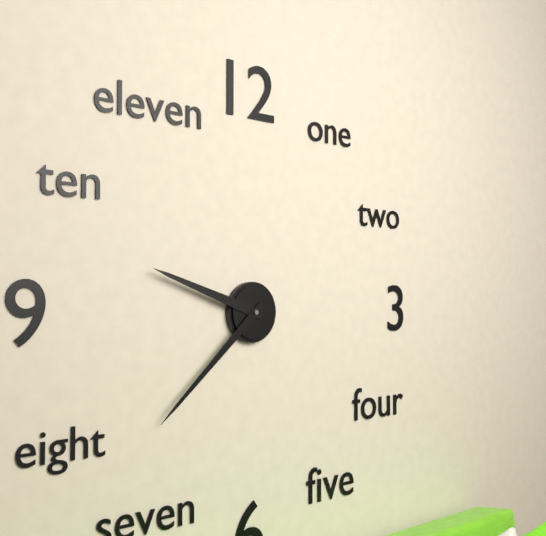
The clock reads 9h38
